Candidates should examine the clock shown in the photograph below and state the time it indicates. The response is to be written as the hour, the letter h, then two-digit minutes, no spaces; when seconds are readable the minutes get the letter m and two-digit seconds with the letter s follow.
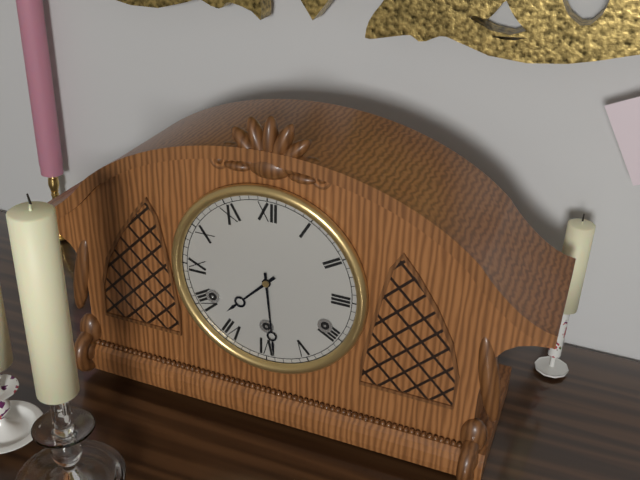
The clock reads 7h29
